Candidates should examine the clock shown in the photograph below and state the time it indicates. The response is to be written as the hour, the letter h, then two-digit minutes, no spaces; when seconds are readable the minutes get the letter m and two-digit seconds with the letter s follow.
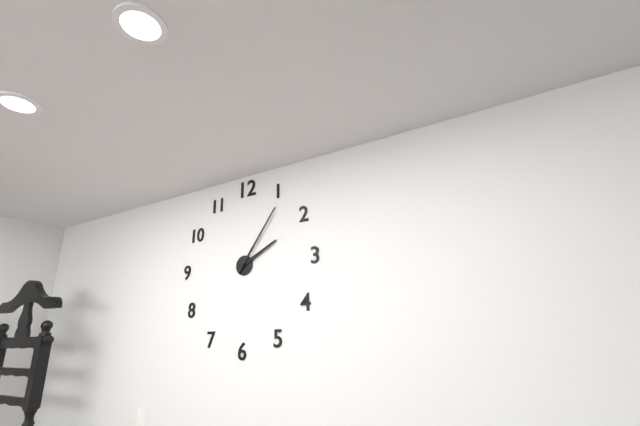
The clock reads 2h06
